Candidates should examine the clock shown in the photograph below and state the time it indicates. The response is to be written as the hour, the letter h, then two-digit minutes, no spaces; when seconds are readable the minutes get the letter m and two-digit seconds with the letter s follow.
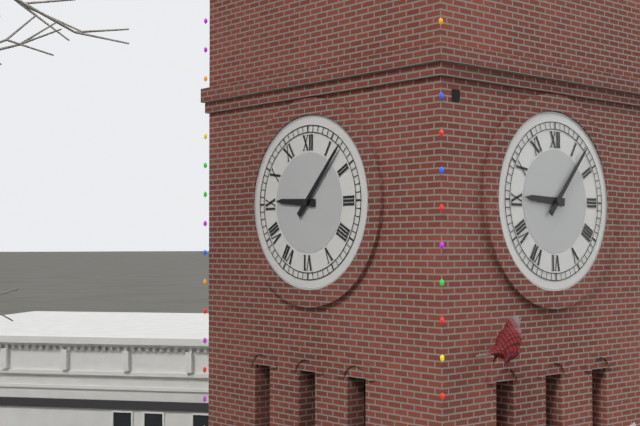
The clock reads 9h07
